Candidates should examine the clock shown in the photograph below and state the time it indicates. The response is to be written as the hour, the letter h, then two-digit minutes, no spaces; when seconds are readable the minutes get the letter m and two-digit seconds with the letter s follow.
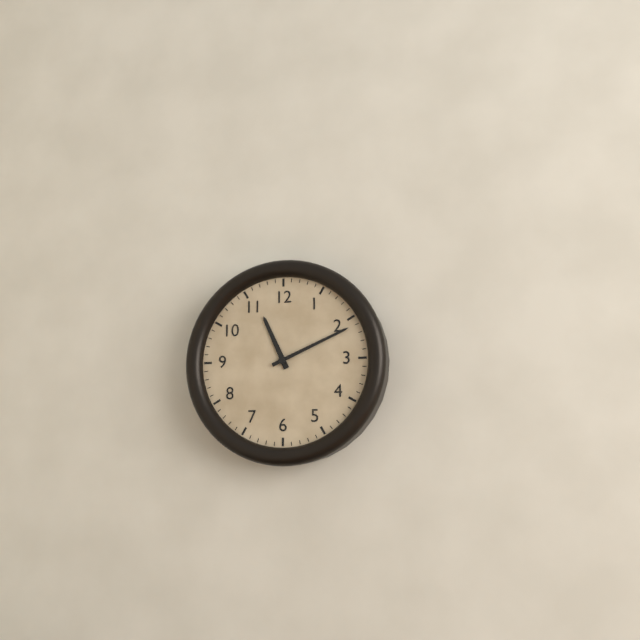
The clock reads 11h11
